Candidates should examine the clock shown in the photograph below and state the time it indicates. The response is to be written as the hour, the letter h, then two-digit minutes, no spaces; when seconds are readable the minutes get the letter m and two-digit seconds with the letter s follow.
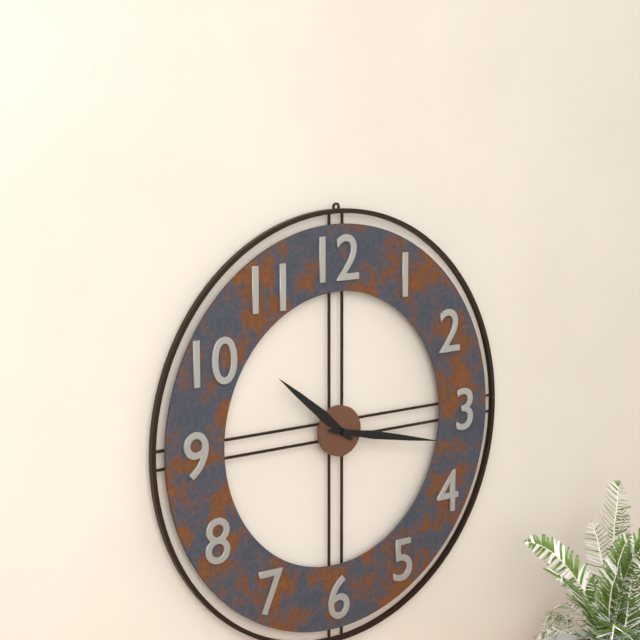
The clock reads 10h17
